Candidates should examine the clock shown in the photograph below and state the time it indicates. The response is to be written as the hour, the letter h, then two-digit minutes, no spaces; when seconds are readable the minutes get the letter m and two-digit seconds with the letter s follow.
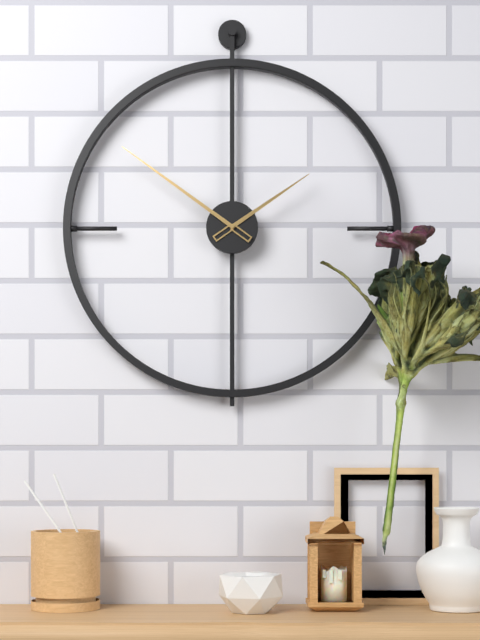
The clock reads 1h51
